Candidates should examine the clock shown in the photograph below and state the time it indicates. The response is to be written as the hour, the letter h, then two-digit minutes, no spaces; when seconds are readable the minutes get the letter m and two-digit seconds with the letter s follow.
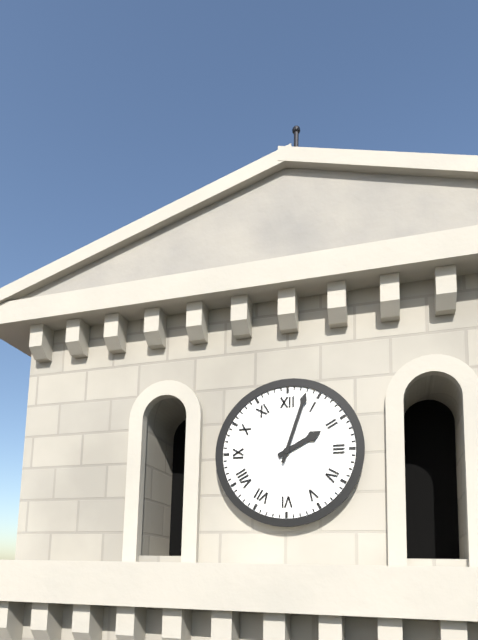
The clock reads 2h03
